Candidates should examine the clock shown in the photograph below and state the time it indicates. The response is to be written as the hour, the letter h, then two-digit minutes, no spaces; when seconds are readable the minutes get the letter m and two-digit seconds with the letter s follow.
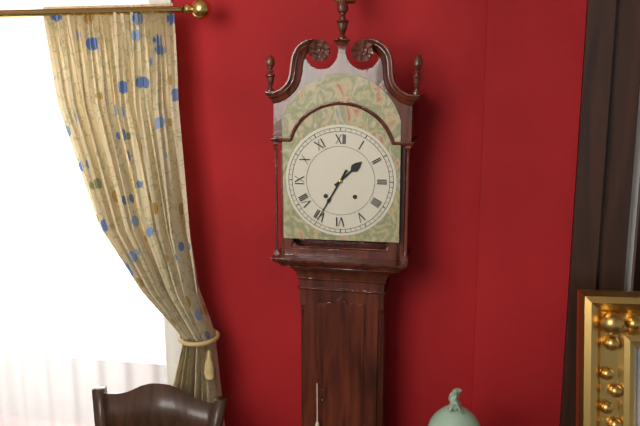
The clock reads 1h35
